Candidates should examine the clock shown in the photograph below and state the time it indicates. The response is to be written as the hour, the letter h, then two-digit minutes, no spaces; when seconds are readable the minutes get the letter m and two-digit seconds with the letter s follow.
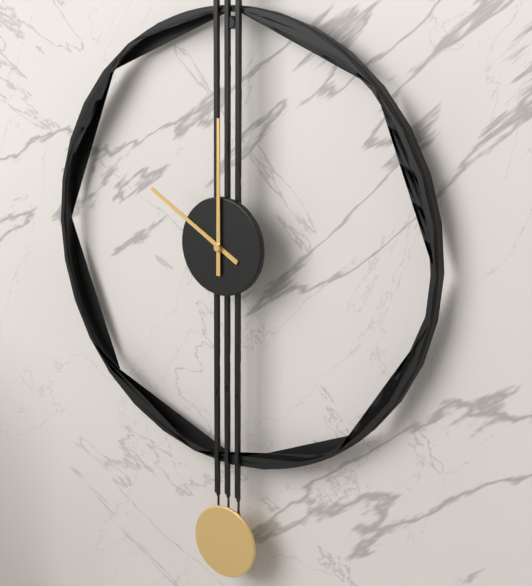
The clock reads 10h00
